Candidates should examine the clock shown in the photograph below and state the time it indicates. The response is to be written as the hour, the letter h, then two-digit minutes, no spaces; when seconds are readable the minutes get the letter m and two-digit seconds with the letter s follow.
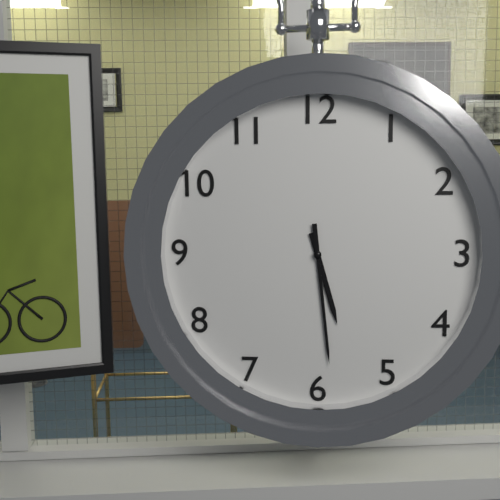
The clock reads 5h29
